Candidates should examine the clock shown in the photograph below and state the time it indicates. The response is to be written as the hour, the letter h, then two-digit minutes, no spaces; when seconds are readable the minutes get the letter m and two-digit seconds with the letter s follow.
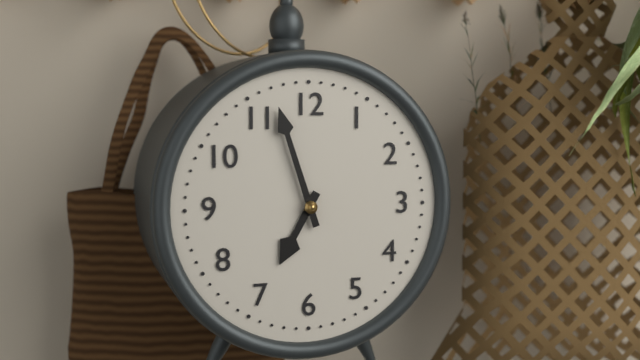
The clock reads 6h57
